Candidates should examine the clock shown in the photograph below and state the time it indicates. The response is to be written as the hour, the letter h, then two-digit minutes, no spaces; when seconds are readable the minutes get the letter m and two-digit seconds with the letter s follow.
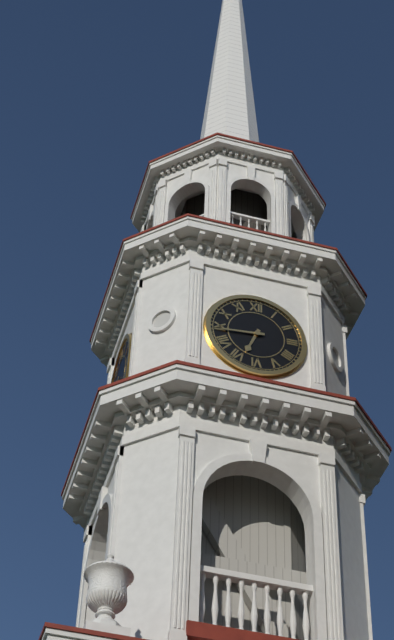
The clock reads 6h44
